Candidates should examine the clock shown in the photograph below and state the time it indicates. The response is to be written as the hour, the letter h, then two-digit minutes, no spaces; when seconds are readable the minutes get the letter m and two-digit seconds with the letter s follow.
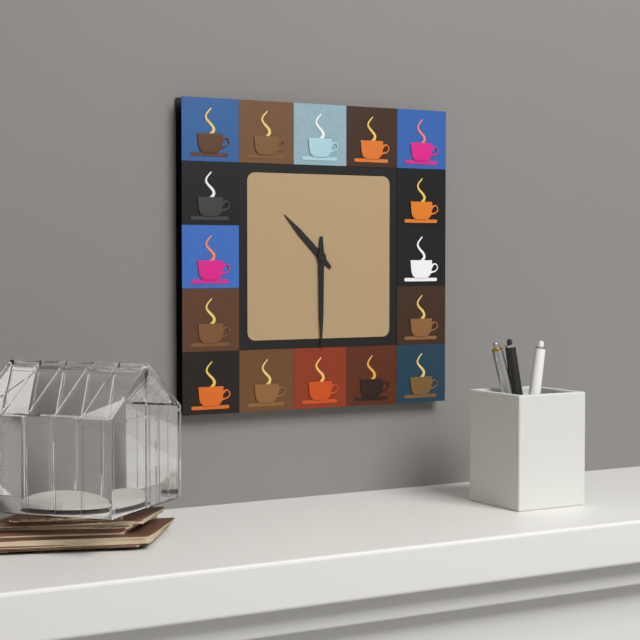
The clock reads 10h30
